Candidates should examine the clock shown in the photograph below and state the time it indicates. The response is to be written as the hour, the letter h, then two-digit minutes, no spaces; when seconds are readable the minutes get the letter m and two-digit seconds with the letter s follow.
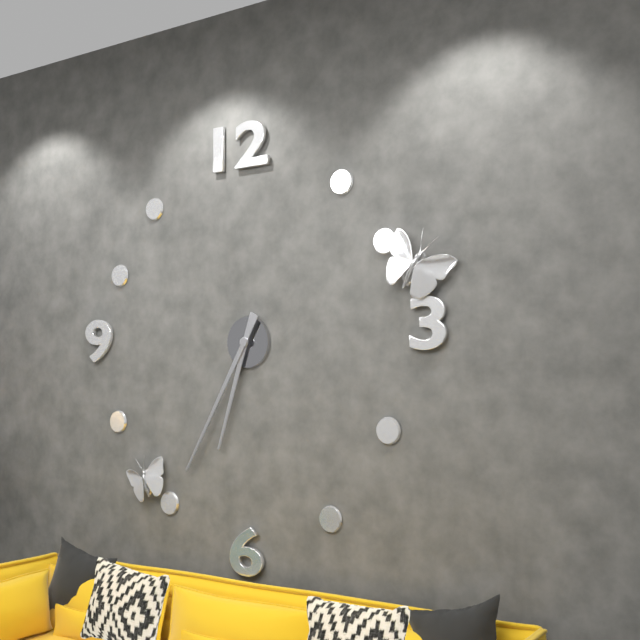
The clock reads 6h35
